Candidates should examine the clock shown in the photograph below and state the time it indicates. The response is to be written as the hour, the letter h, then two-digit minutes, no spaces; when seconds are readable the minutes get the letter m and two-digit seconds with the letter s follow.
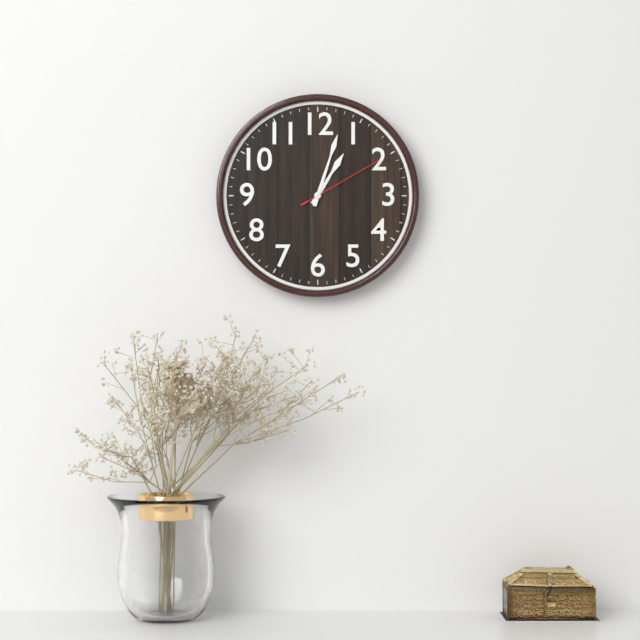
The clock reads 1h03m10s
